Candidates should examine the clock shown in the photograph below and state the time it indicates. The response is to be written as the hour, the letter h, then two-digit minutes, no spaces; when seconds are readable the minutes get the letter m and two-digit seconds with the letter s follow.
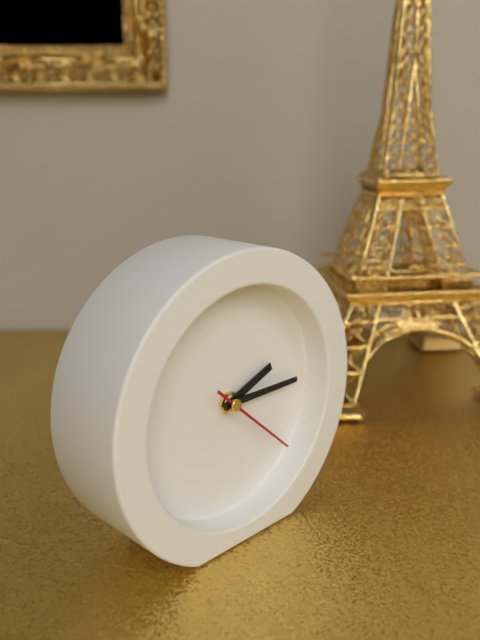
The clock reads 2h15m22s
